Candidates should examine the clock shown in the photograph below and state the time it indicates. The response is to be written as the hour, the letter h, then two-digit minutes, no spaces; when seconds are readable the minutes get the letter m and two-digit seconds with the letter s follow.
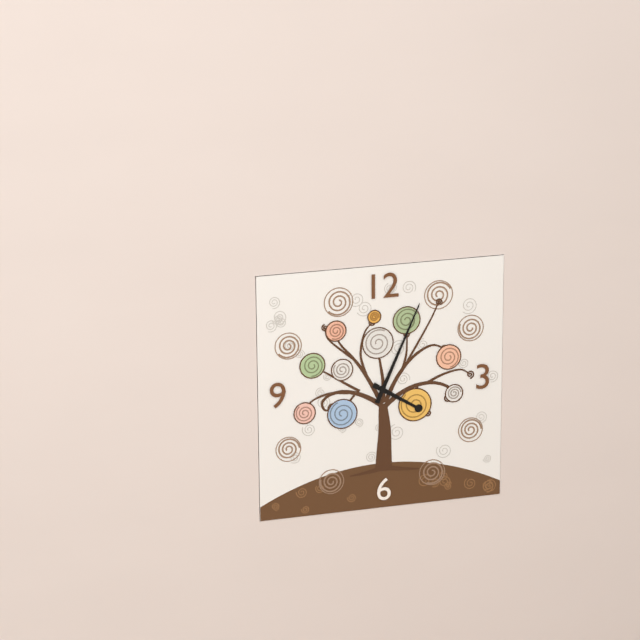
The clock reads 4h04
